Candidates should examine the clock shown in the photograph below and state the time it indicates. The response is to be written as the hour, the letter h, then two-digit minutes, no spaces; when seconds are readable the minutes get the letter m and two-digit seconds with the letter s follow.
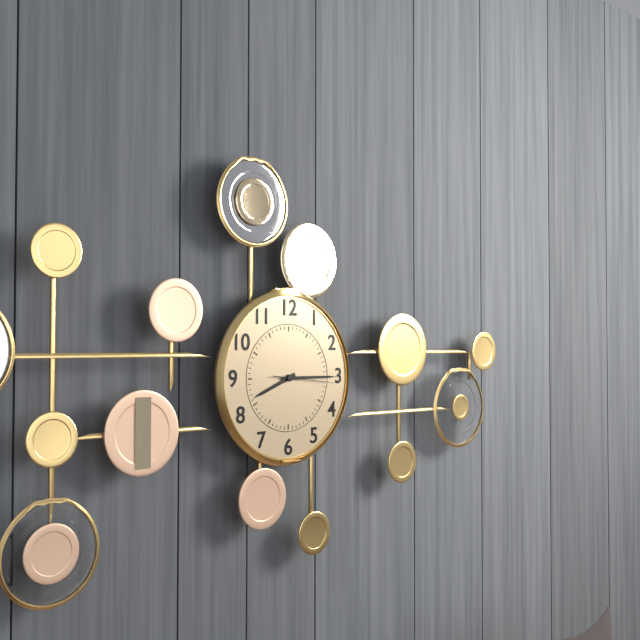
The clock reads 8h15m16s
